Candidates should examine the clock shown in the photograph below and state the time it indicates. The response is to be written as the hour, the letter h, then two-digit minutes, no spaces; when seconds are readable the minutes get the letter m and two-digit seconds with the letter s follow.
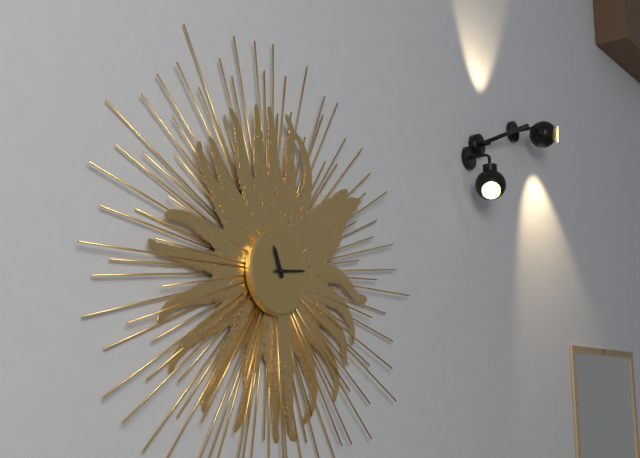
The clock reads 11h14
